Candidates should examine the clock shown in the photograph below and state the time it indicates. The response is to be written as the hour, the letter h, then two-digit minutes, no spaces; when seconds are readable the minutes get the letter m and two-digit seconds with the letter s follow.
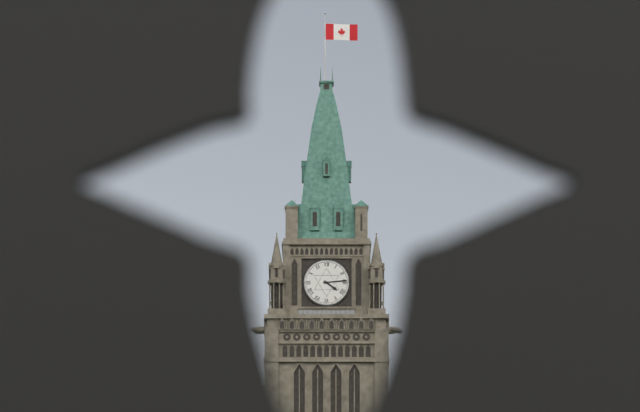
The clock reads 4h14
